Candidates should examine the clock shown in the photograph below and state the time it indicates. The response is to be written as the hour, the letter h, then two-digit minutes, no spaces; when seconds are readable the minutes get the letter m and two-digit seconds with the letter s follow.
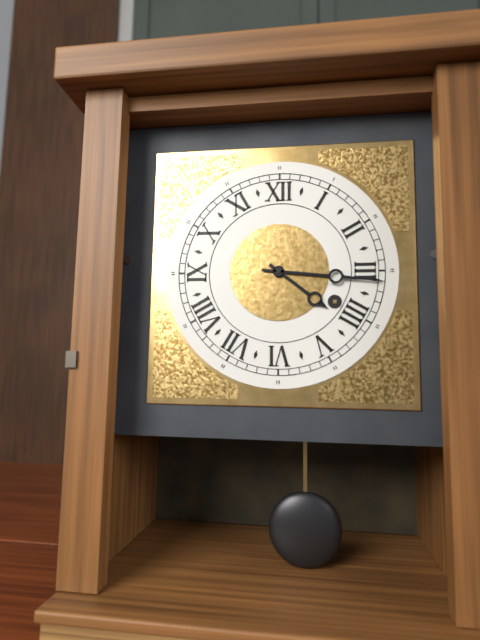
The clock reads 4h16
